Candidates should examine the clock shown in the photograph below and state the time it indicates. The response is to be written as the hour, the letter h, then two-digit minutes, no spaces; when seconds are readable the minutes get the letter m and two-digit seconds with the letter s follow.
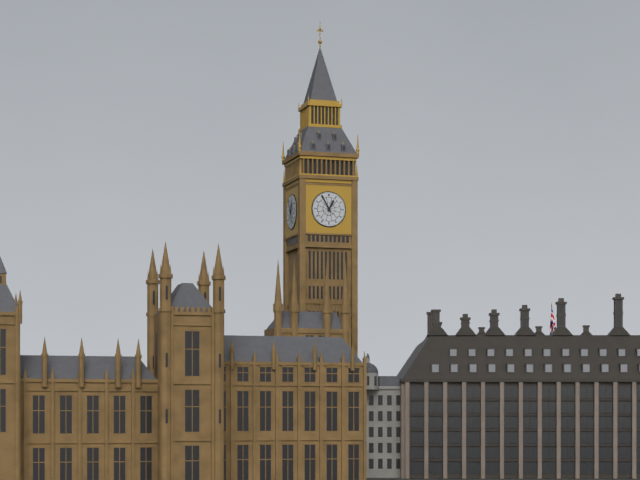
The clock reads 12h55
